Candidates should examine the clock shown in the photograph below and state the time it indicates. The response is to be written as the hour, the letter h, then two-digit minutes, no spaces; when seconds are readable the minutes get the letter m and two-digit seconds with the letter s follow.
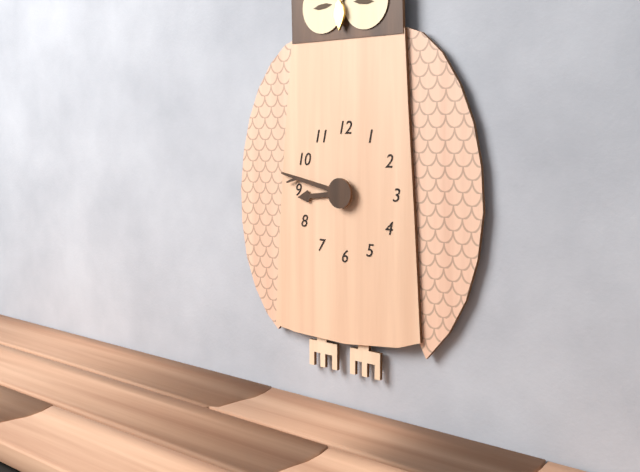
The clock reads 8h47
